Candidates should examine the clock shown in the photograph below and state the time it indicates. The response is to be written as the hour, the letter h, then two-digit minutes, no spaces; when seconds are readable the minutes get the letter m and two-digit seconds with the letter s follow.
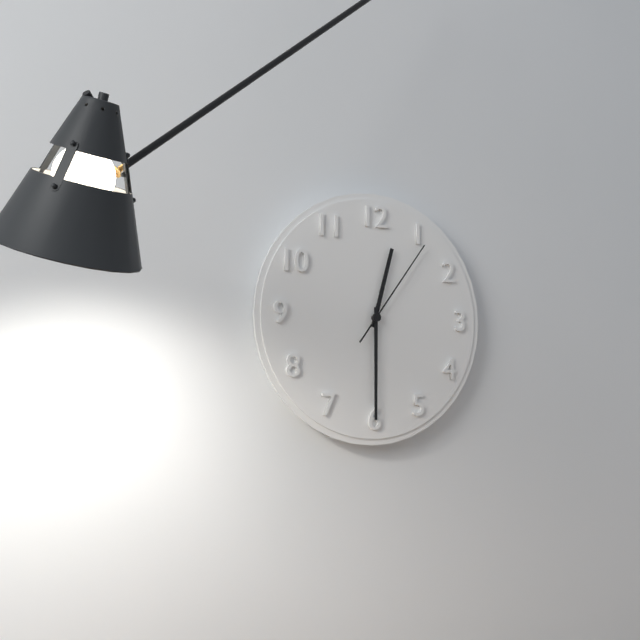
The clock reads 12h30m06s
